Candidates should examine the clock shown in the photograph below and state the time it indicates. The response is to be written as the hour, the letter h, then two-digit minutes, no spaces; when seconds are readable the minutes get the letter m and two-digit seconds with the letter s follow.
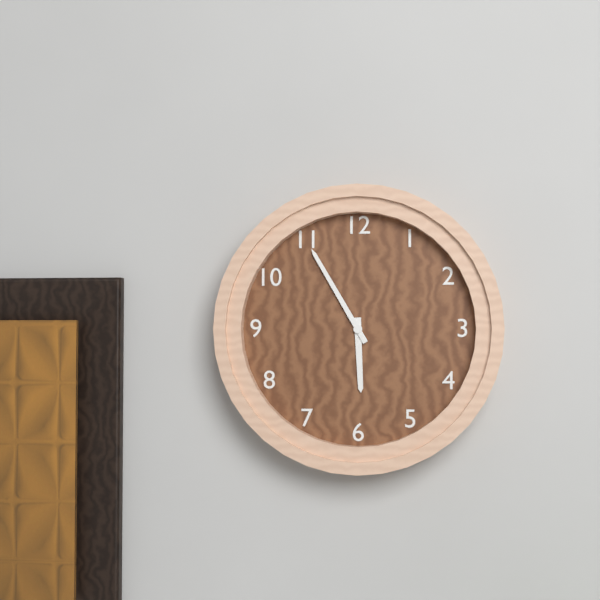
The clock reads 5h55
